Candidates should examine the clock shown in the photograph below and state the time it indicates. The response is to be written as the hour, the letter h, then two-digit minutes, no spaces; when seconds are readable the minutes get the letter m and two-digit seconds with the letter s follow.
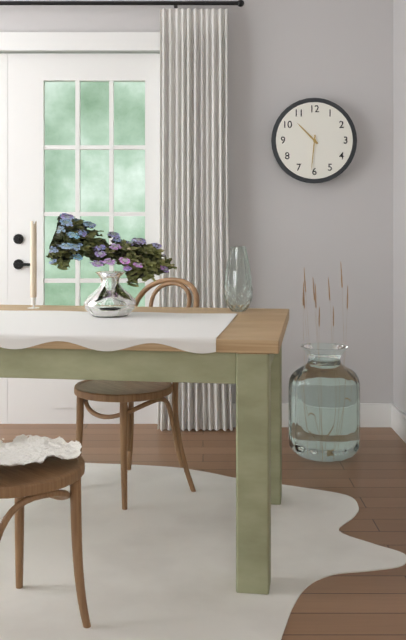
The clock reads 10h31
